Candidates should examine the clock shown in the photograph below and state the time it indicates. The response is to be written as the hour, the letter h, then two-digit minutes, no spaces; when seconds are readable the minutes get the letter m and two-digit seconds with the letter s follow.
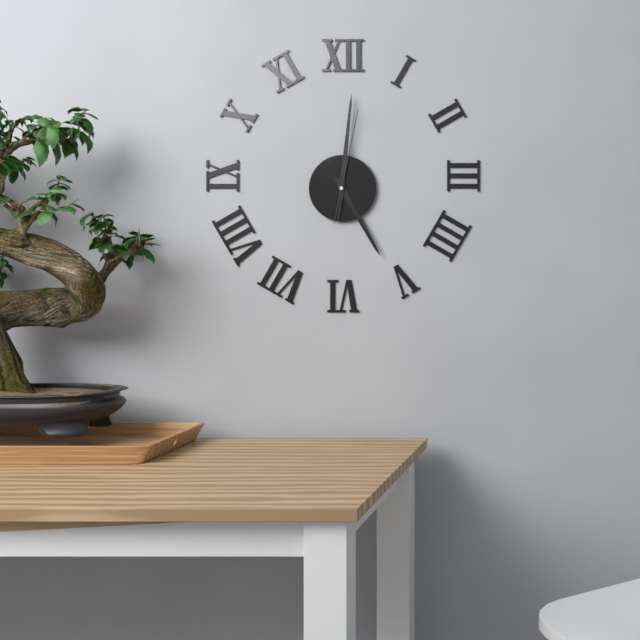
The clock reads 5h01m02s
